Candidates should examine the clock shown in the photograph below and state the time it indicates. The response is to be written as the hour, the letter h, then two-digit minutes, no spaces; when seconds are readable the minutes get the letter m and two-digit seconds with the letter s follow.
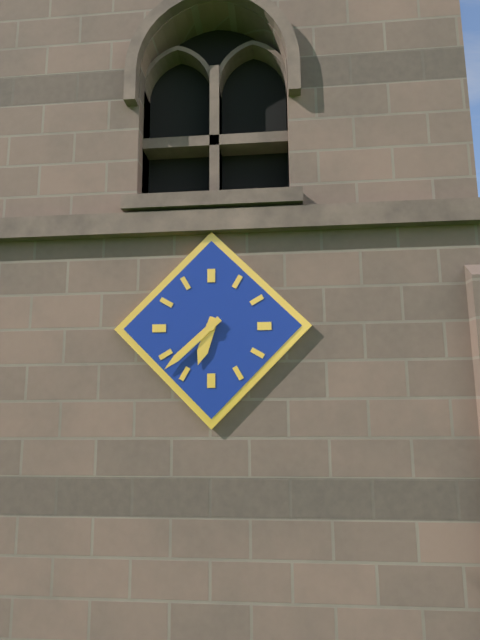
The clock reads 6h38
